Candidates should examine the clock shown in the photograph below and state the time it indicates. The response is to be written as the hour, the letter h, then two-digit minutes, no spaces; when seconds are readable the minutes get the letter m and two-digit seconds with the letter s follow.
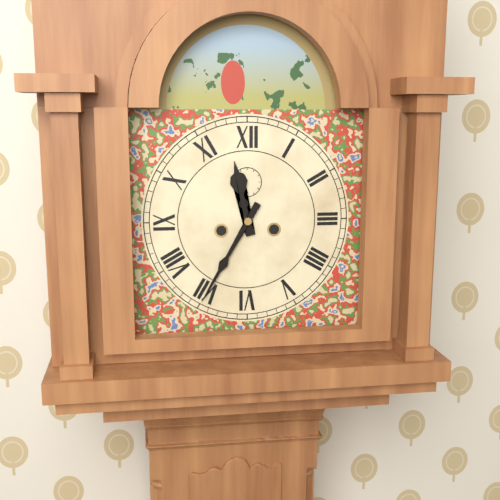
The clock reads 11h35
